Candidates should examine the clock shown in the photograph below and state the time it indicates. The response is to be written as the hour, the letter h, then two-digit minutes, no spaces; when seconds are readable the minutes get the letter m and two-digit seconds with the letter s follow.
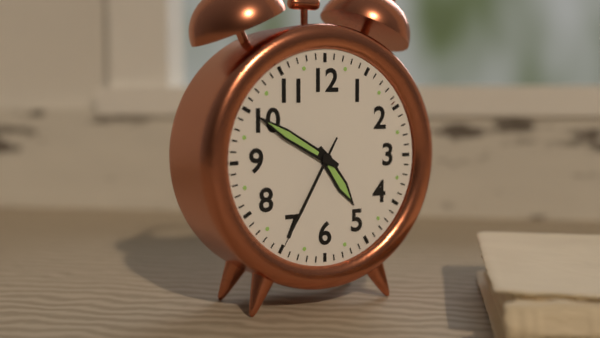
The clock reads 4h50m35s
